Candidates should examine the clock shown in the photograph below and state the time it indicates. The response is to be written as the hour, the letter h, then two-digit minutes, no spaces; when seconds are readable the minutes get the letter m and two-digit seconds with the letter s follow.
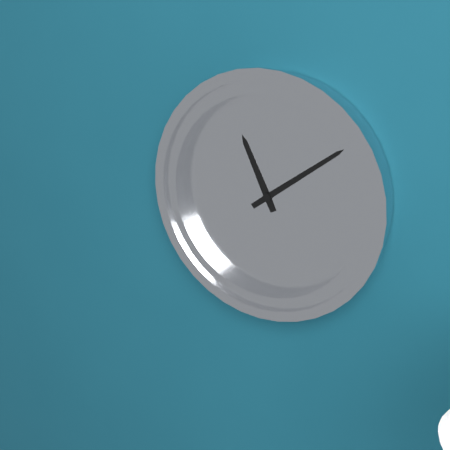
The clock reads 11h09
